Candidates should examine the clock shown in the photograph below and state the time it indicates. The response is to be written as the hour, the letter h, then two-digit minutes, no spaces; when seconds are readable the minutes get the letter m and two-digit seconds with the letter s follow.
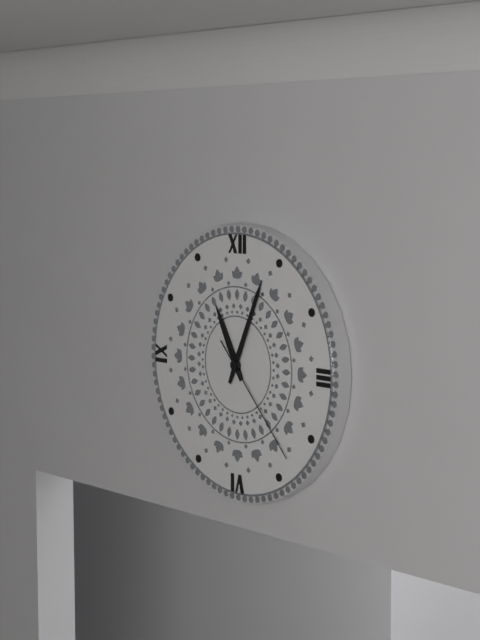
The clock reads 11h04m23s
